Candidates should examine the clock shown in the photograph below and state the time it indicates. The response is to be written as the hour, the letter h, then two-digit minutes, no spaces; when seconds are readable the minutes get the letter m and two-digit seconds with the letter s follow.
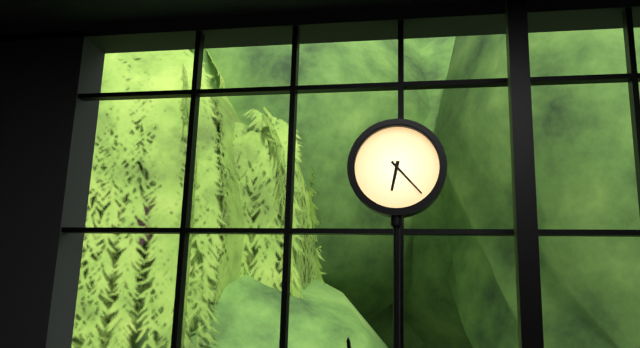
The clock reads 6h23
